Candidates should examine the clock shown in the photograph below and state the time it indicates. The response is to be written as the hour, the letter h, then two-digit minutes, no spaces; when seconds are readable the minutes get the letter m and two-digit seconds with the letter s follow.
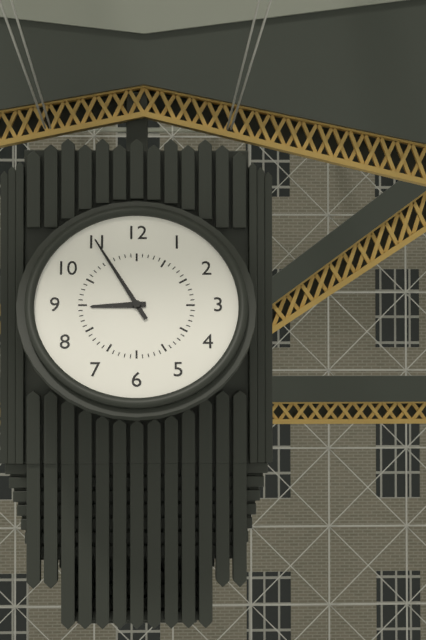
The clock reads 8h55
